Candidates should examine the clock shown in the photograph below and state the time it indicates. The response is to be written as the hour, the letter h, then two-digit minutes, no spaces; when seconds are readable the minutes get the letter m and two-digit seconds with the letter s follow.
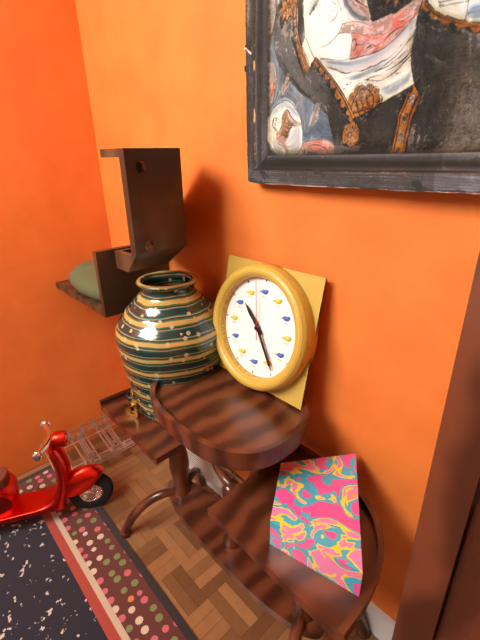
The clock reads 10h24m58s
